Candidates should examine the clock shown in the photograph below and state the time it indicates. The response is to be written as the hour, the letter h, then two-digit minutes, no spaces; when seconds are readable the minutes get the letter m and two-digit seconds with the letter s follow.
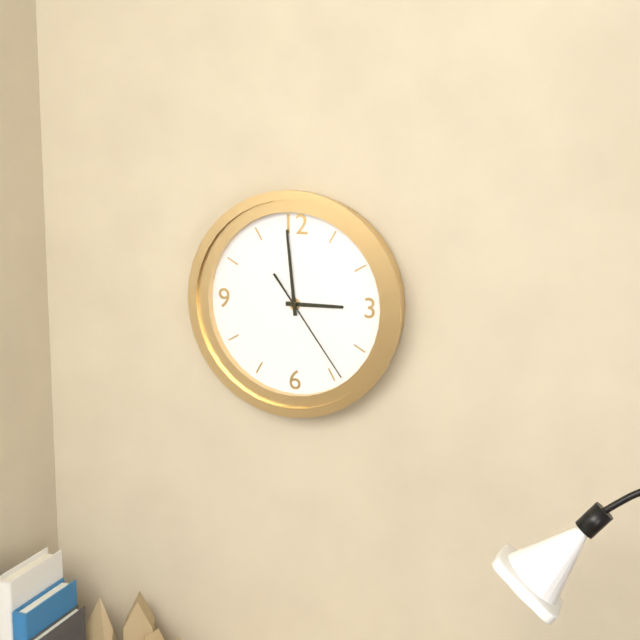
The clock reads 2h59m24s
